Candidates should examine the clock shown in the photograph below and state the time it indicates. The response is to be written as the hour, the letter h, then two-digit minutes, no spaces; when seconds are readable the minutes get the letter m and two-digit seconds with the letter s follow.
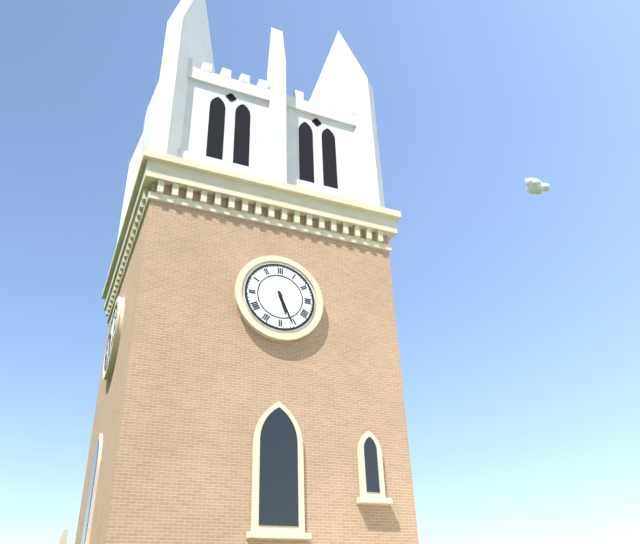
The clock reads 5h26
